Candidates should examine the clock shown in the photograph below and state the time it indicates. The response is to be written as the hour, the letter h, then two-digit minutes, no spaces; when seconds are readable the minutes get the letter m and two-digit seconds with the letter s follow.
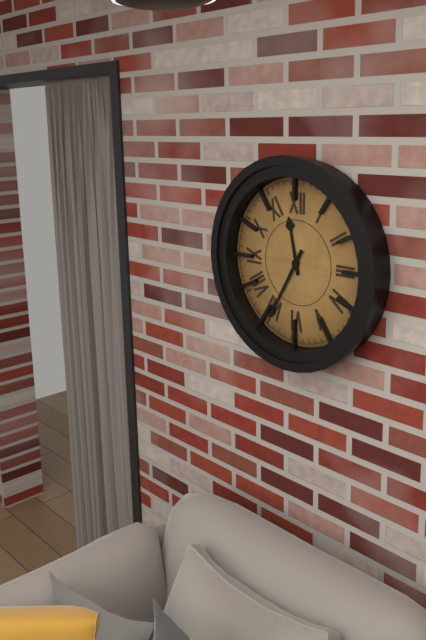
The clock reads 11h35
